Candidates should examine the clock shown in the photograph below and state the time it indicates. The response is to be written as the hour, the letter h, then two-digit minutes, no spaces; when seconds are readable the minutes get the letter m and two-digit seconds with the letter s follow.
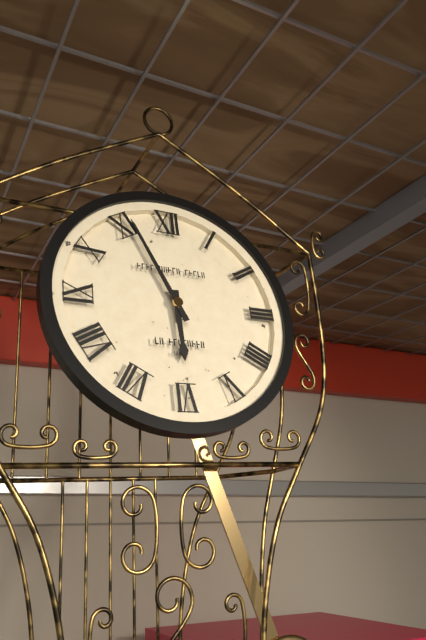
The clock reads 5h56
